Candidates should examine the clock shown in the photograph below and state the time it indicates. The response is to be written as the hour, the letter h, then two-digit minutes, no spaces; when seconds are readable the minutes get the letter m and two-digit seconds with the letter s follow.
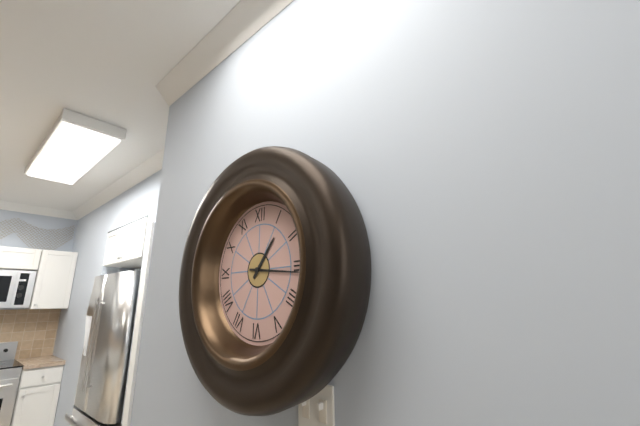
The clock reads 1h16
